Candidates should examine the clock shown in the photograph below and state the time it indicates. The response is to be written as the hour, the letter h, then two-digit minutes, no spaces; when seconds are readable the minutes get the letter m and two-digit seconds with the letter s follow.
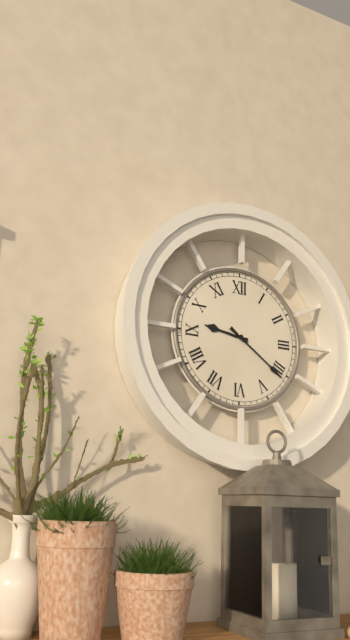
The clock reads 9h21
